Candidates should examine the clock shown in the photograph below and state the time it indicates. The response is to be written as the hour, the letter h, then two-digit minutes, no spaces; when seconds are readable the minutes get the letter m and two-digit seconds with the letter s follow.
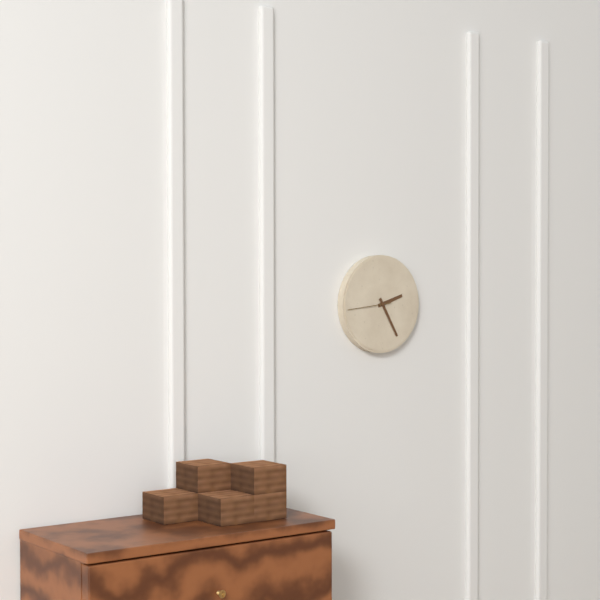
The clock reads 2h25
